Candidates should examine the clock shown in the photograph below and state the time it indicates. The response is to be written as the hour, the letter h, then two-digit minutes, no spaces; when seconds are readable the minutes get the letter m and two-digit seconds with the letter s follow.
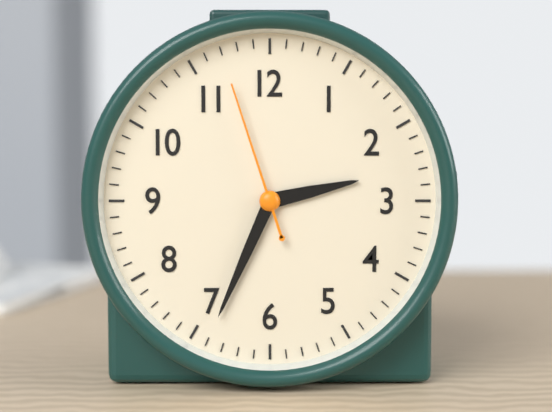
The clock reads 2h34m57s
